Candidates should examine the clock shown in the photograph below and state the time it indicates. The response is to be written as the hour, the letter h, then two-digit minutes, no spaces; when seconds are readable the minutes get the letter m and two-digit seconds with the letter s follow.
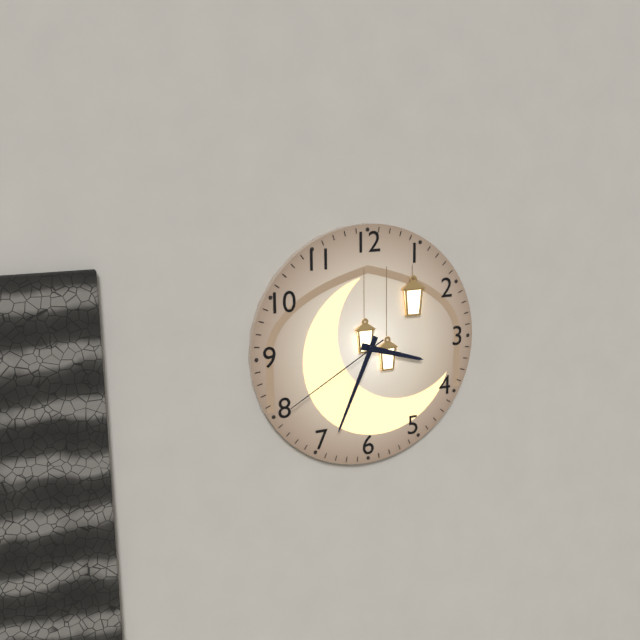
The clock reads 3h34m40s
